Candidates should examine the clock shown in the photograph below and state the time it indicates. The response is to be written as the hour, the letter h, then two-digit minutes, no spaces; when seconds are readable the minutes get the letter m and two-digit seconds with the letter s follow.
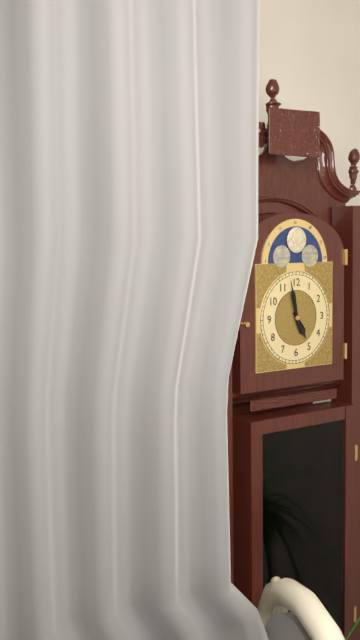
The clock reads 4h58
